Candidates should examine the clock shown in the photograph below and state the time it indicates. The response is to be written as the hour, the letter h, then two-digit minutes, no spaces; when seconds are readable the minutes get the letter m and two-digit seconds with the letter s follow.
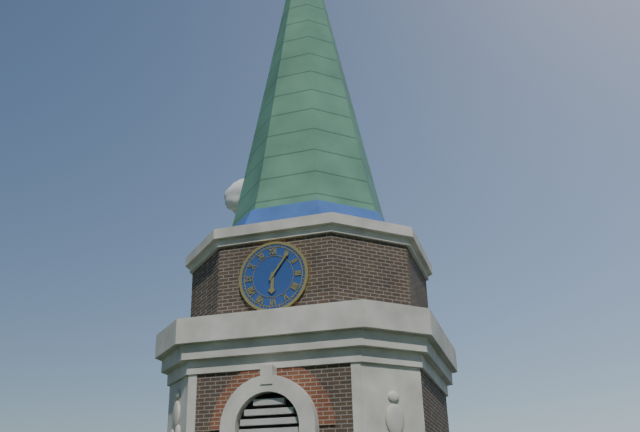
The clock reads 6h06
